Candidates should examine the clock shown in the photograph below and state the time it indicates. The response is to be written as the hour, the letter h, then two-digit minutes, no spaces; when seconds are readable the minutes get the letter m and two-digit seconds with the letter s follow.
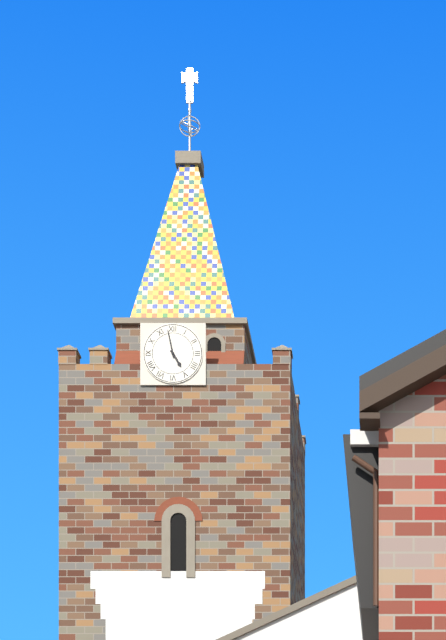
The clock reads 4h58
